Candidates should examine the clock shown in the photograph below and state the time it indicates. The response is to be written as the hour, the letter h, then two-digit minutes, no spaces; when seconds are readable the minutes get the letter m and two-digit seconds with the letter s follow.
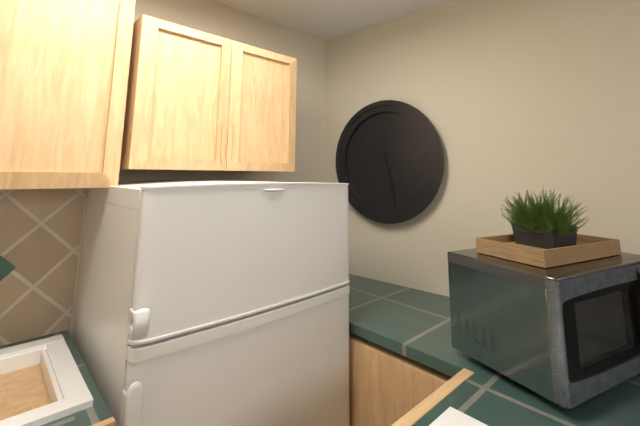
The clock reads 5h28
